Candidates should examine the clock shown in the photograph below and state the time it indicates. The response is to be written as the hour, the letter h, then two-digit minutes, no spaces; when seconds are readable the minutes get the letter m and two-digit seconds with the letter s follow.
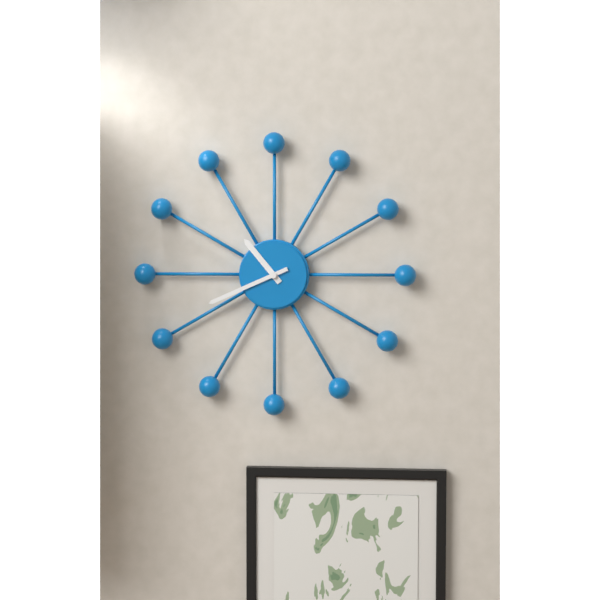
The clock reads 10h41
